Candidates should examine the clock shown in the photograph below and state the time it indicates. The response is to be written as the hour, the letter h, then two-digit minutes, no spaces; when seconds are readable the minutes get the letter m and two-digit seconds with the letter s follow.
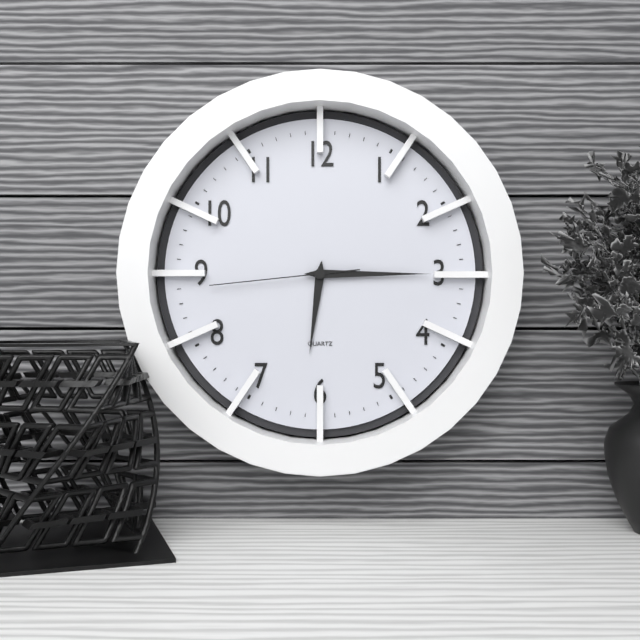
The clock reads 6h15m44s
